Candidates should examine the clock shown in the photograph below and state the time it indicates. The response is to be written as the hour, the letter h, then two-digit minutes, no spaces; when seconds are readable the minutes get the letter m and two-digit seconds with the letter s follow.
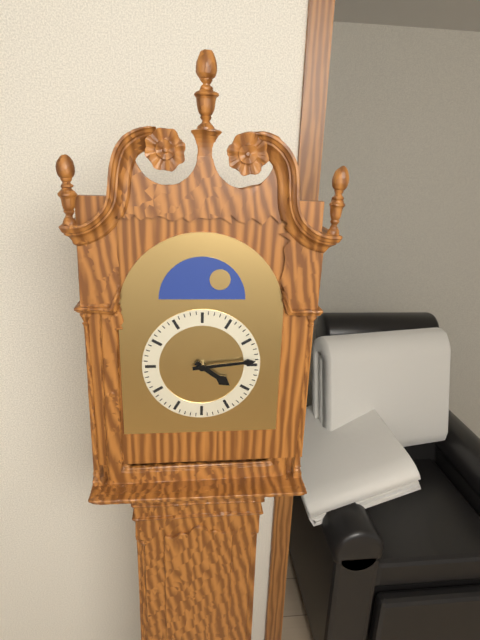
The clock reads 4h14
